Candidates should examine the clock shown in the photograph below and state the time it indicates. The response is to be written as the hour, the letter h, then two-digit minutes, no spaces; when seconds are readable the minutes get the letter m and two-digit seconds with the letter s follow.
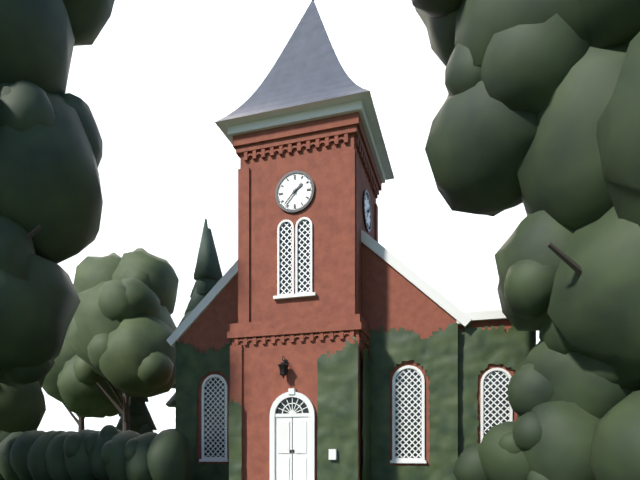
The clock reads 1h37
